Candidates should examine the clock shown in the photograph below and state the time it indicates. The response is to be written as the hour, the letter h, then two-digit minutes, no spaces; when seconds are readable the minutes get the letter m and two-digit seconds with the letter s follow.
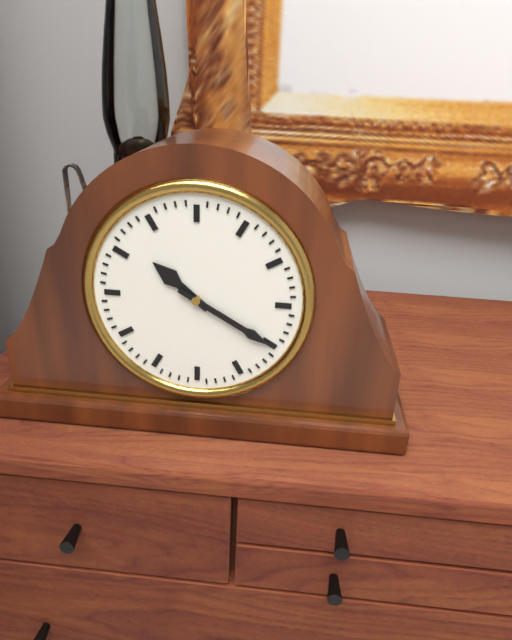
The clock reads 10h20
